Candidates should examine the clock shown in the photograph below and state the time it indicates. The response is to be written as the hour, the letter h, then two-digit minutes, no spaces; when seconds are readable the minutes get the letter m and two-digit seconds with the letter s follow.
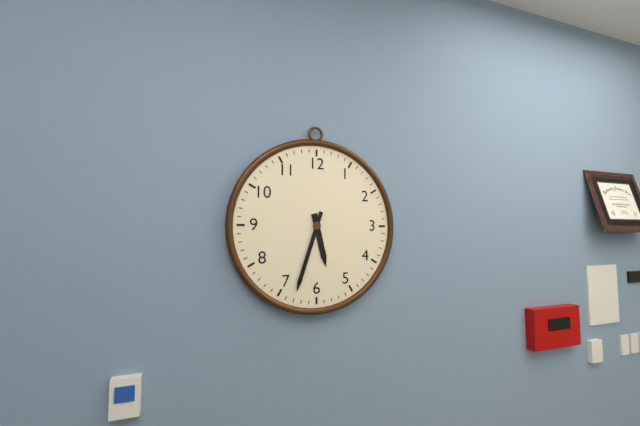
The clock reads 5h33
